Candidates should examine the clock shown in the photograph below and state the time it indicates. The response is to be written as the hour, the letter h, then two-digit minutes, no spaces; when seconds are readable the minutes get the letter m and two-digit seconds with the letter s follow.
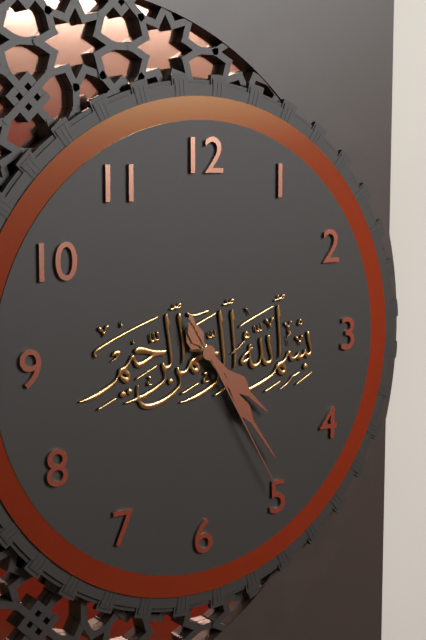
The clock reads 4h24m25s
